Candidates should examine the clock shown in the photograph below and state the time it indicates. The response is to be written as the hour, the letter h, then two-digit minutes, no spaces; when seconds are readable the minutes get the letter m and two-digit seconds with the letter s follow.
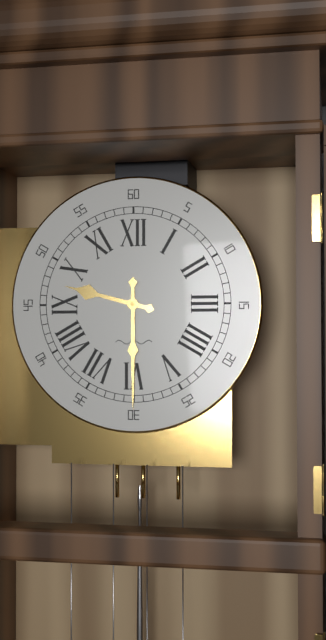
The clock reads 9h30
